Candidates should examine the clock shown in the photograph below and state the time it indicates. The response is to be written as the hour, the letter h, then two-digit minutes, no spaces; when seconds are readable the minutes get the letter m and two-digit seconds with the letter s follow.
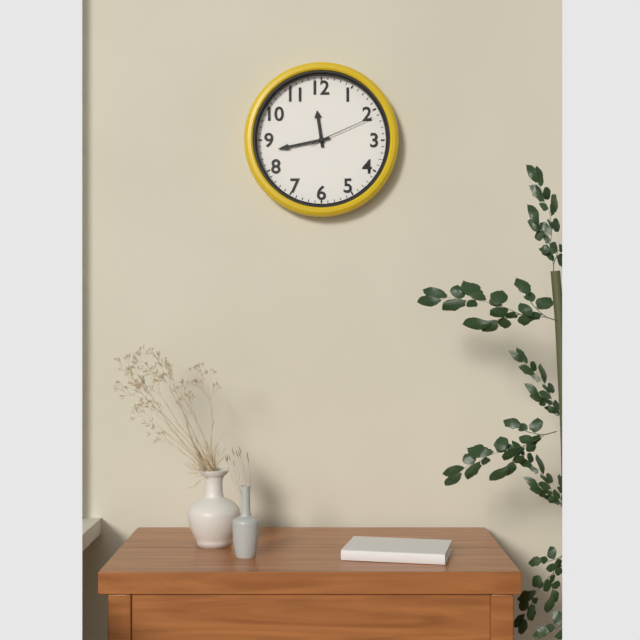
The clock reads 11h43m11s
